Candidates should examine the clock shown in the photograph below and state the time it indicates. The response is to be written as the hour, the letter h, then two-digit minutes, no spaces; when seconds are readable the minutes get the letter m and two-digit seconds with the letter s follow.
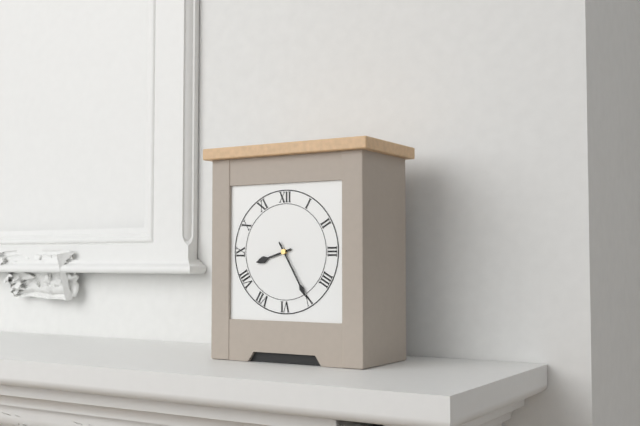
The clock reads 8h25
